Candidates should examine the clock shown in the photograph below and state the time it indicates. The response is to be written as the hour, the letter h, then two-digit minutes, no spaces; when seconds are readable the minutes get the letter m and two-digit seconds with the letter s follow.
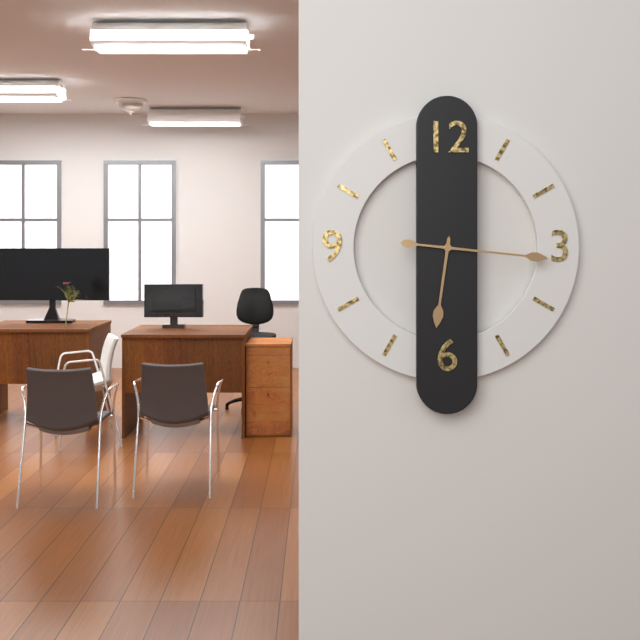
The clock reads 6h16
